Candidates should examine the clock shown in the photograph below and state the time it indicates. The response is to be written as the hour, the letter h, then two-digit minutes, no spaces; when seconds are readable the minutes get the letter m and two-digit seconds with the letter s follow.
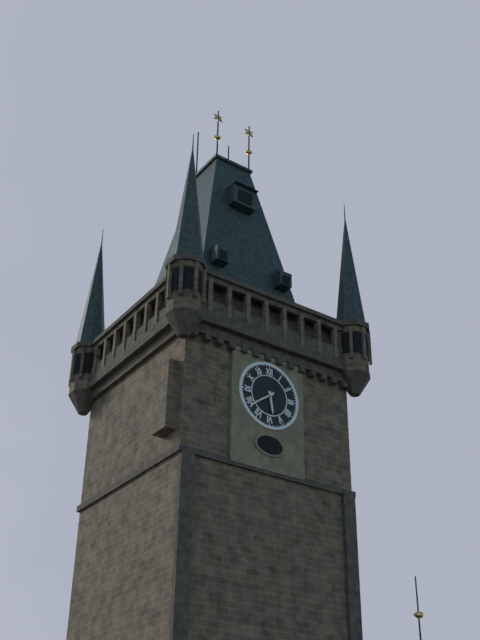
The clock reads 5h39
